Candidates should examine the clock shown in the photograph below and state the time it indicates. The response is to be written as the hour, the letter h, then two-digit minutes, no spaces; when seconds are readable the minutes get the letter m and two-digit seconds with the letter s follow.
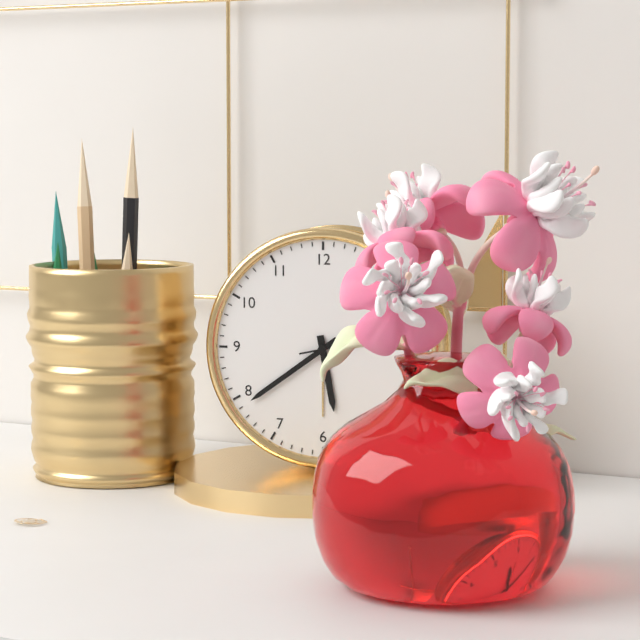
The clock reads 5h39
